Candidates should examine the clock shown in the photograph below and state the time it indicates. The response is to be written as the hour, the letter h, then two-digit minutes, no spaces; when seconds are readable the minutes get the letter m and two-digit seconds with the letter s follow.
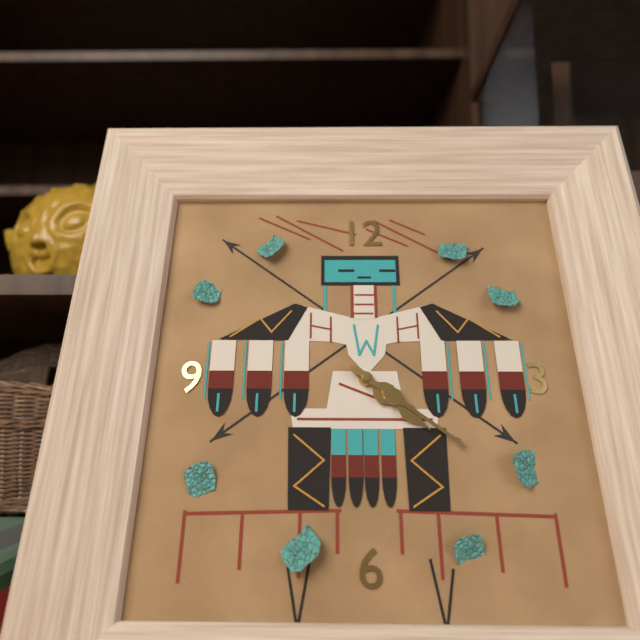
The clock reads 4h21
